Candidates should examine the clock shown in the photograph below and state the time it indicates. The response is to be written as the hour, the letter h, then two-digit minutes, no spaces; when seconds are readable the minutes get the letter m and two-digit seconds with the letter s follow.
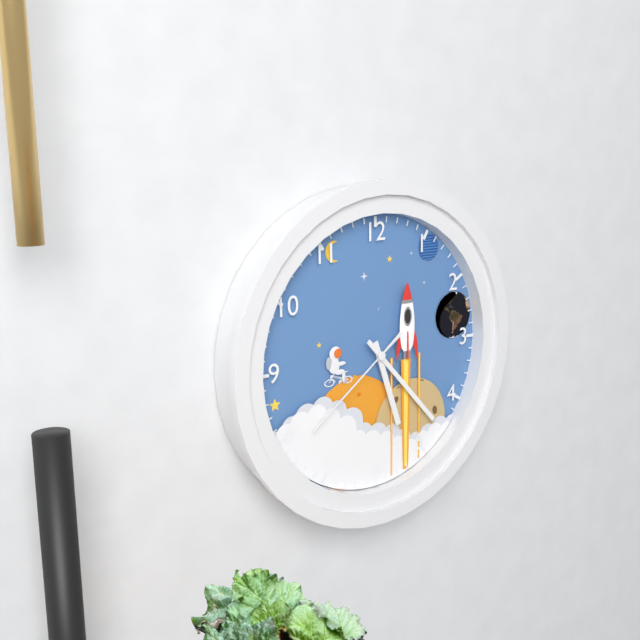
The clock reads 5h23m39s
